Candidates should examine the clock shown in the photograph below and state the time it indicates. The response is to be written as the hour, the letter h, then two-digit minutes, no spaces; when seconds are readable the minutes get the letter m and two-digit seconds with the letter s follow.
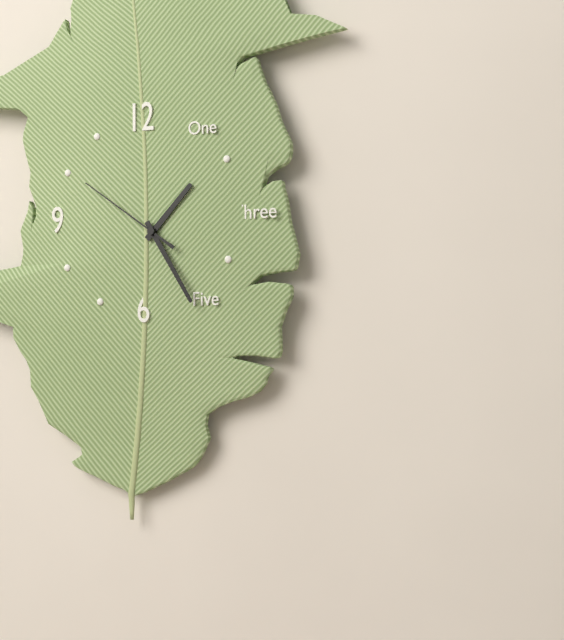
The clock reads 1h25m51s
